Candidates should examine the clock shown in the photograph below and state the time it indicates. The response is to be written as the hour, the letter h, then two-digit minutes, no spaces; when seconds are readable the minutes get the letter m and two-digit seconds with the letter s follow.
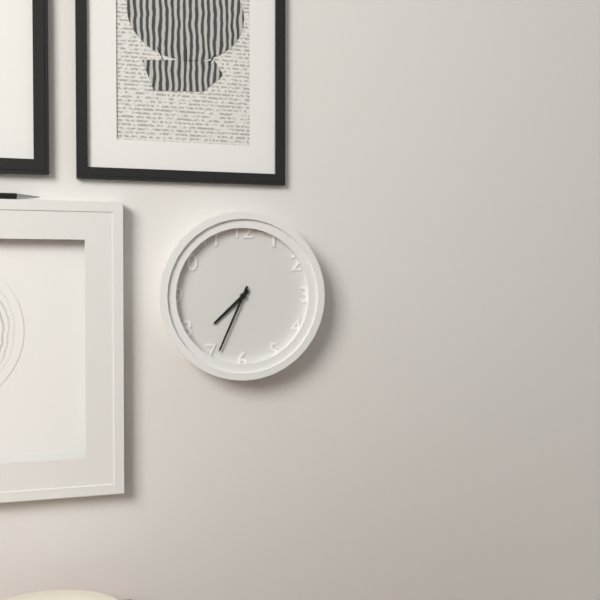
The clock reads 7h34
